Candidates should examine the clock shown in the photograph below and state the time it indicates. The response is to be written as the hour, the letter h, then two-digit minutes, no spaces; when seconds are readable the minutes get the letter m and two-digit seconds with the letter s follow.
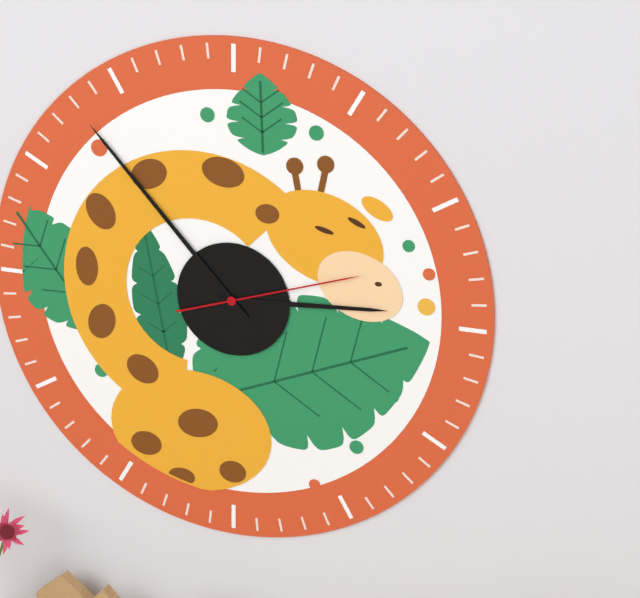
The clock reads 2h53m12s
